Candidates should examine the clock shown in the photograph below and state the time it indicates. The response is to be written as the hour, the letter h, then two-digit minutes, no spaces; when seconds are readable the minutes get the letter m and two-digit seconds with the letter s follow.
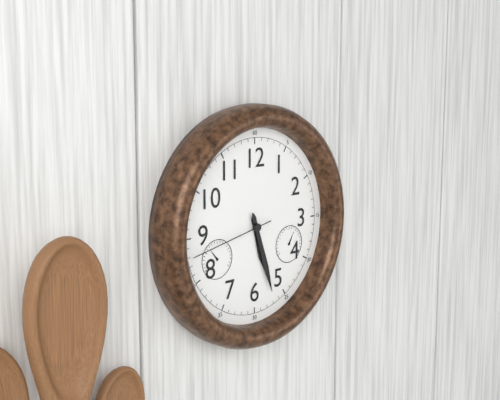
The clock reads 5h27m43s
